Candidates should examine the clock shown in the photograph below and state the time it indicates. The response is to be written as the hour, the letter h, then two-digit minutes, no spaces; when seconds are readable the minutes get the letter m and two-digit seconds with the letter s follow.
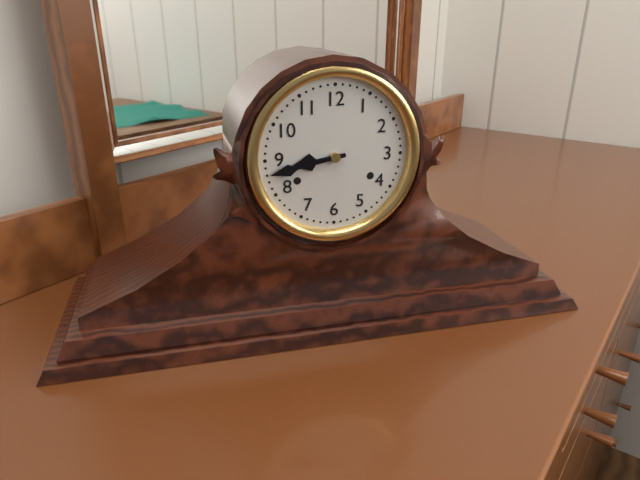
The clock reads 8h43
